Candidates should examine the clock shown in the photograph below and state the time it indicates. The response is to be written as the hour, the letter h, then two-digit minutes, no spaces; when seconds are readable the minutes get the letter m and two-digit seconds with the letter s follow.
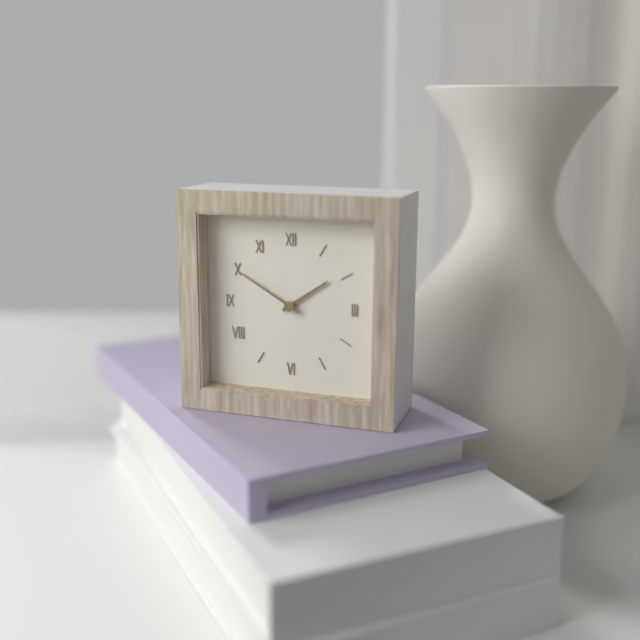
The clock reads 1h50
